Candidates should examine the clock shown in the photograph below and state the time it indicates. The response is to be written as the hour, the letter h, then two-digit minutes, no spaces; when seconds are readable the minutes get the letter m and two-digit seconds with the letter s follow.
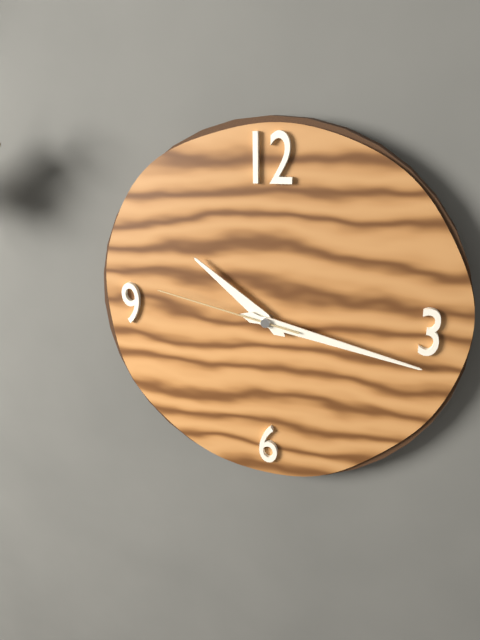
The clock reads 10h17m47s
